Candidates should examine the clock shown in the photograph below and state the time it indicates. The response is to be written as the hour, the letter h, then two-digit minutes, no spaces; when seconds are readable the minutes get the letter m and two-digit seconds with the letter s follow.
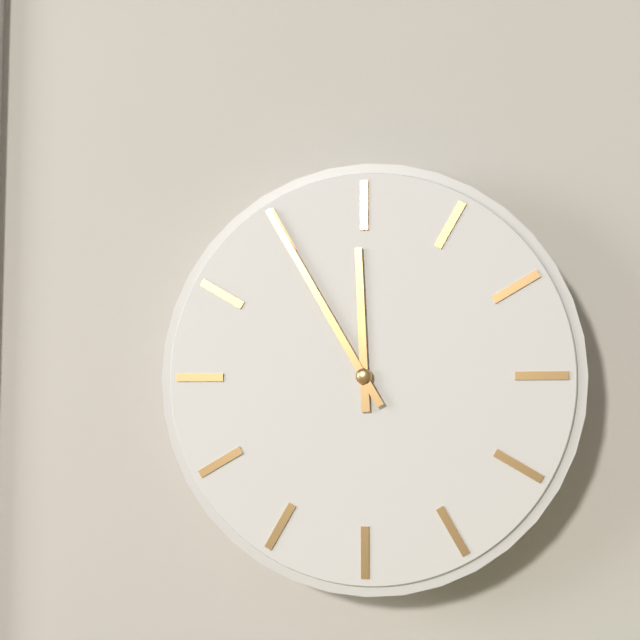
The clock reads 11h55
